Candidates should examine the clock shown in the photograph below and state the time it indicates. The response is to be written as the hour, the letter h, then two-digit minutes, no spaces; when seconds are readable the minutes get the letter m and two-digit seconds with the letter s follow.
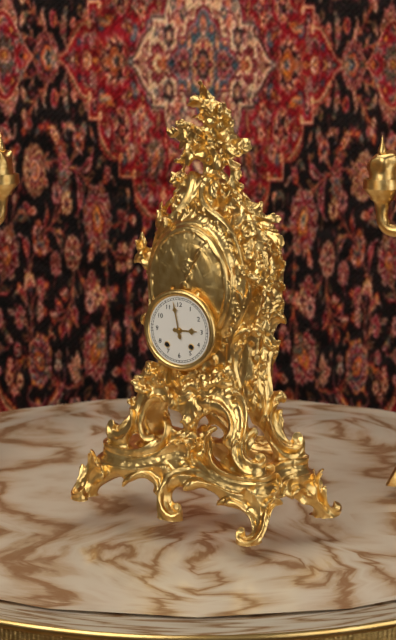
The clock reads 2h58
